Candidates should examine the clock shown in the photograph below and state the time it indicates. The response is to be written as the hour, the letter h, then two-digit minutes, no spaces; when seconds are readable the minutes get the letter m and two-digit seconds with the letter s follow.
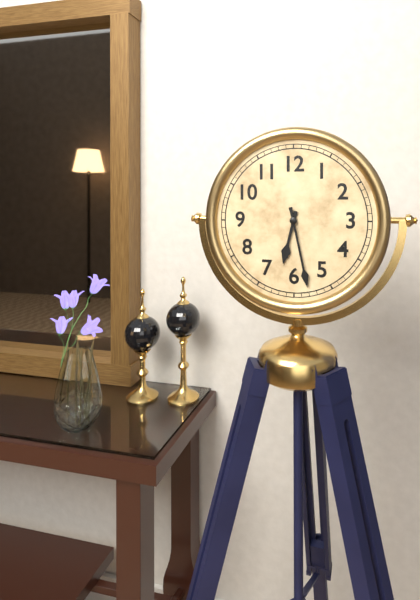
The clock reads 6h28
